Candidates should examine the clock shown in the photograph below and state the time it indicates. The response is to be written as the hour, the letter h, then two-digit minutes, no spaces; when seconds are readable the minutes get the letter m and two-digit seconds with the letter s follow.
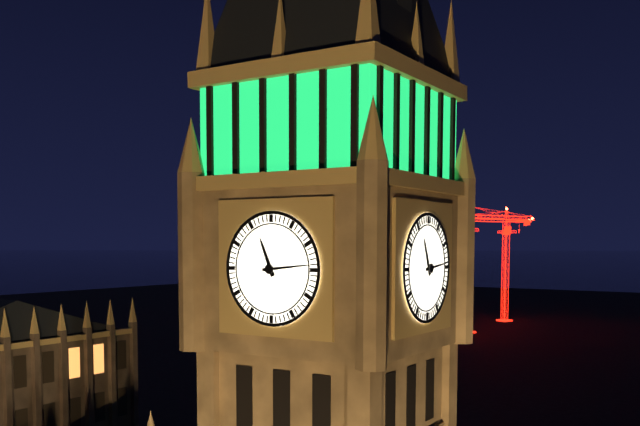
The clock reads 11h14
